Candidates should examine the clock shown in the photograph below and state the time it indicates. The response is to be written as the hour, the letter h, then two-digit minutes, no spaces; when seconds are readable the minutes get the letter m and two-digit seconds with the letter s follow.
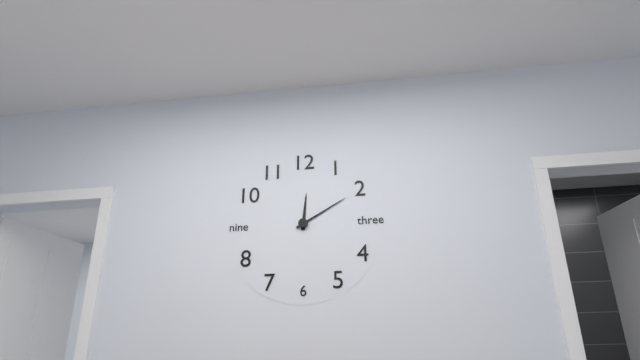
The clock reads 12h10
